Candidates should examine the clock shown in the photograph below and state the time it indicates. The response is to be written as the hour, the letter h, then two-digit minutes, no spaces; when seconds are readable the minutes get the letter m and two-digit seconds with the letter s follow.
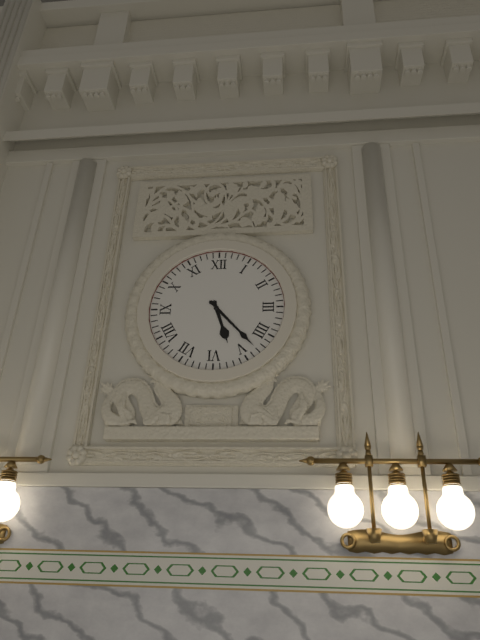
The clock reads 5h23
